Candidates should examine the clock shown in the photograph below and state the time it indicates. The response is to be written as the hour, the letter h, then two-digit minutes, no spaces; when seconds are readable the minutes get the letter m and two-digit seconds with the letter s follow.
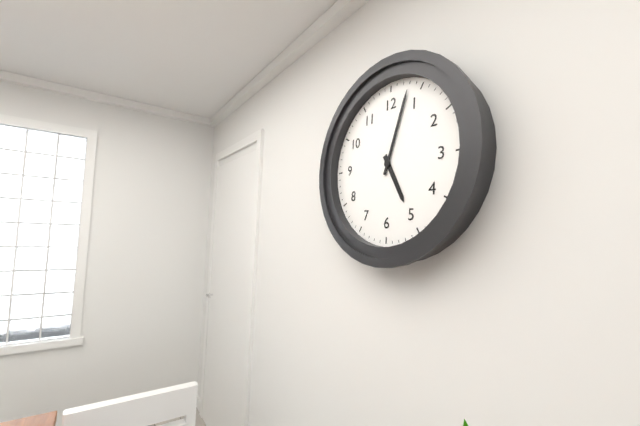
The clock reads 5h03
